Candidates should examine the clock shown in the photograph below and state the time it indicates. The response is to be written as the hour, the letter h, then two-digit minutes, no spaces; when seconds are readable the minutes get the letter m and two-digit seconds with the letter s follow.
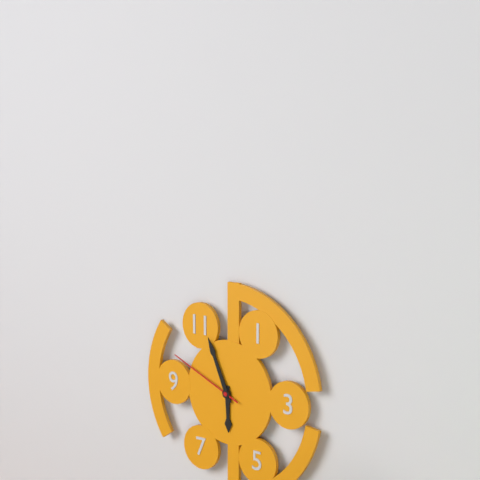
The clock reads 5h56m49s
